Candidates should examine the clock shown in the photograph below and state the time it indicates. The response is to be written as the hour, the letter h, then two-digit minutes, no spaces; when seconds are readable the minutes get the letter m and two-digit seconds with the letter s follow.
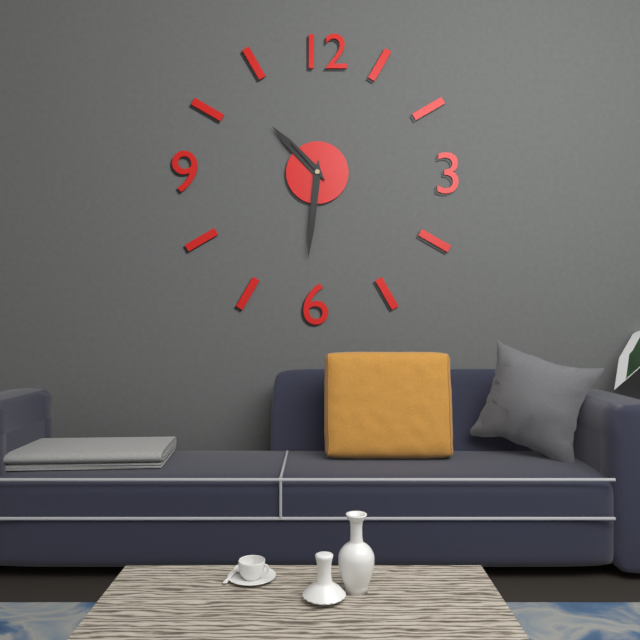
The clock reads 10h31m53s
